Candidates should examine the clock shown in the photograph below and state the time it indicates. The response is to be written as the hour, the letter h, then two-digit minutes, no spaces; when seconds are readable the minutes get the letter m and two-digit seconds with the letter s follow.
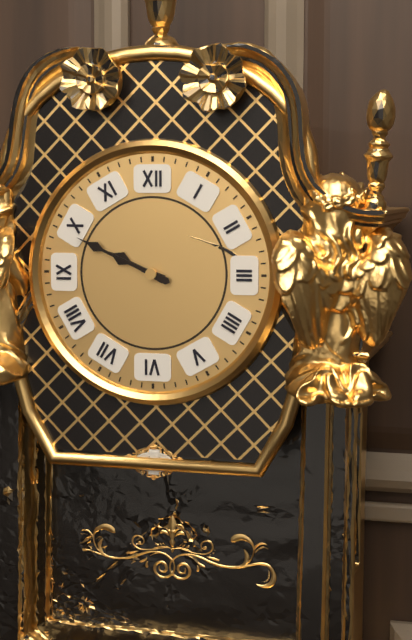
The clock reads 9h49
